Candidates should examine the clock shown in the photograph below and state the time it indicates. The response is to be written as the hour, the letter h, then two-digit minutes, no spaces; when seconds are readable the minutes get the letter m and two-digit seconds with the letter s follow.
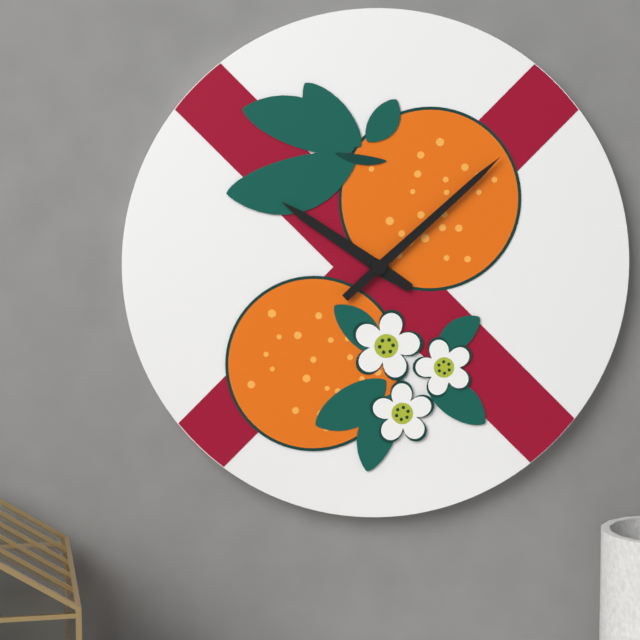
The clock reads 10h08
